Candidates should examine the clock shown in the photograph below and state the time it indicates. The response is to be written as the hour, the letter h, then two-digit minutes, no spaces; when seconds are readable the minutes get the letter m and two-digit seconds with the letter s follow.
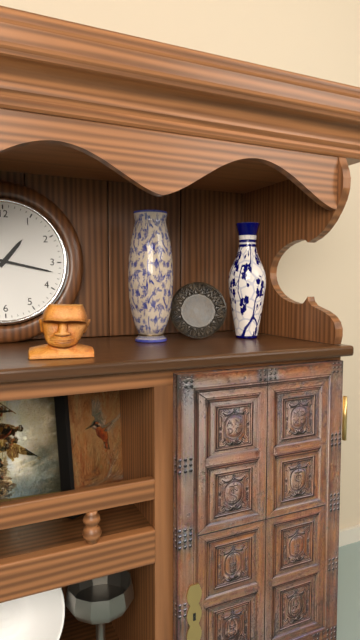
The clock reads 1h17
